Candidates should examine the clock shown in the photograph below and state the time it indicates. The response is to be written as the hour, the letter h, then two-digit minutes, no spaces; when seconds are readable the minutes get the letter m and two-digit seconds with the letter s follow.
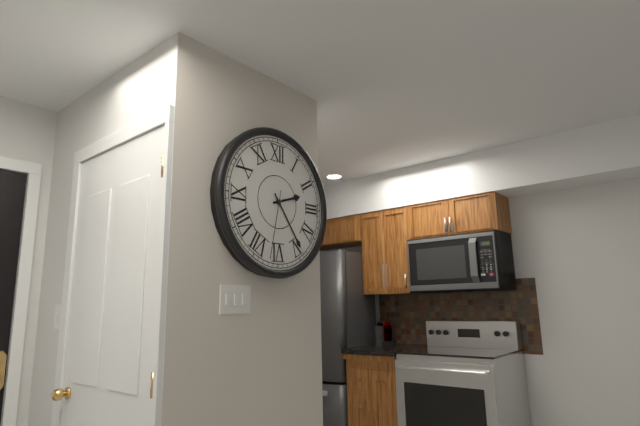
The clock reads 2h24m32s
